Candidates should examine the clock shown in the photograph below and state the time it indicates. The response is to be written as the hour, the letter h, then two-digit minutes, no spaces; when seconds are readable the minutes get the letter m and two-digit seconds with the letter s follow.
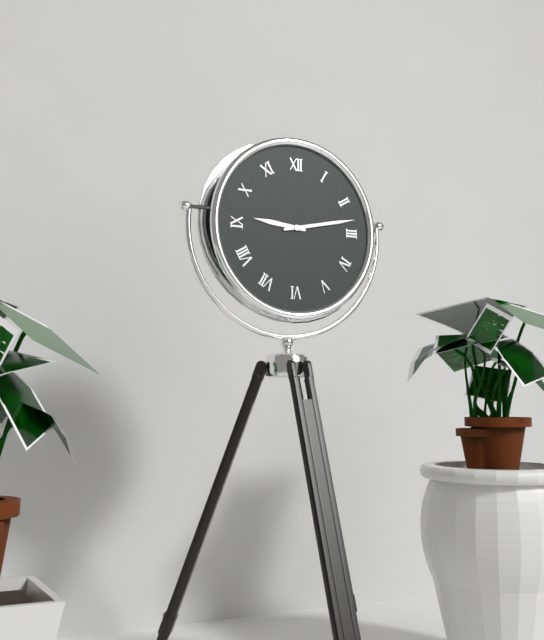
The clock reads 9h13
